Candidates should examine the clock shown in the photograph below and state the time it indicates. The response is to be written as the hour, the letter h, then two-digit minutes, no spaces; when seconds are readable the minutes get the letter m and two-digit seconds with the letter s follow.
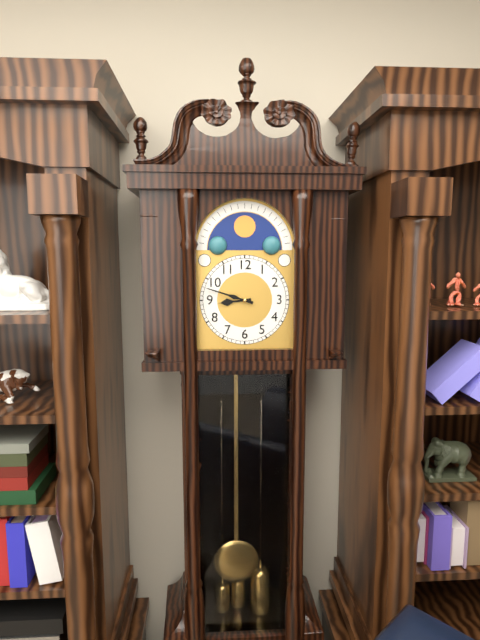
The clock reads 8h48
